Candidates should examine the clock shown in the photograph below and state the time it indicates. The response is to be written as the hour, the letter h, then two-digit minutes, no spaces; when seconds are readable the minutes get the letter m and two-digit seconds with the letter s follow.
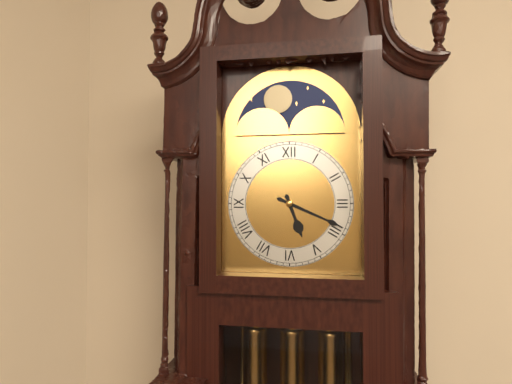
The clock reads 5h19
